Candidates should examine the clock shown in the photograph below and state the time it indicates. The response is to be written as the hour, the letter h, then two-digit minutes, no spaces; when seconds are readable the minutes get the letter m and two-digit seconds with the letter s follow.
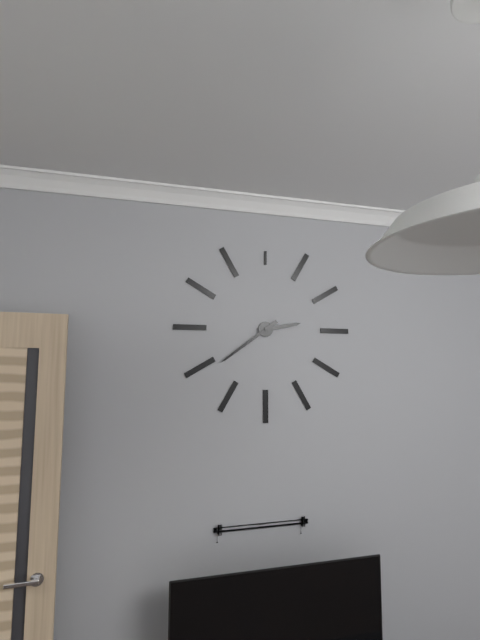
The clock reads 2h39
